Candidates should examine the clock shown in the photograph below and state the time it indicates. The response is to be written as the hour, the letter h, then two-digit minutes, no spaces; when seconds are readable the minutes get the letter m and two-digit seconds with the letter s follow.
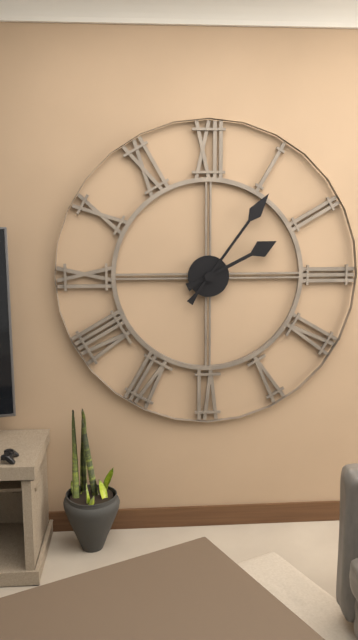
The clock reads 2h06
